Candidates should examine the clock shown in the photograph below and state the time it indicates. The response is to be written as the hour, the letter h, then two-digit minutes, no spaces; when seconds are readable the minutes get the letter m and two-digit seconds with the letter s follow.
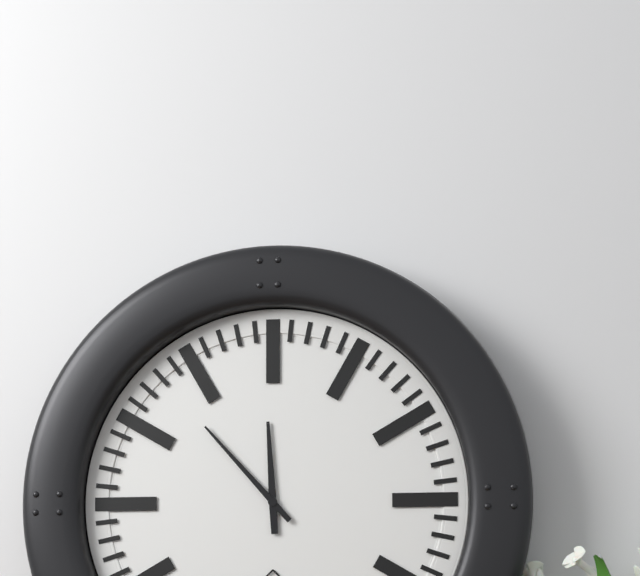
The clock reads 11h53
